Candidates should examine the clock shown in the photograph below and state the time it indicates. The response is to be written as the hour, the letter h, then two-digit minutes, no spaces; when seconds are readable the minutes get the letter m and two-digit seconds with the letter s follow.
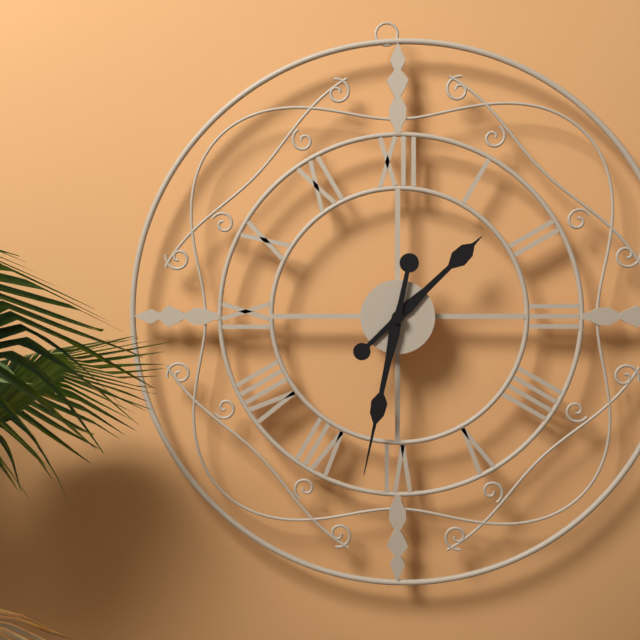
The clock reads 1h32
